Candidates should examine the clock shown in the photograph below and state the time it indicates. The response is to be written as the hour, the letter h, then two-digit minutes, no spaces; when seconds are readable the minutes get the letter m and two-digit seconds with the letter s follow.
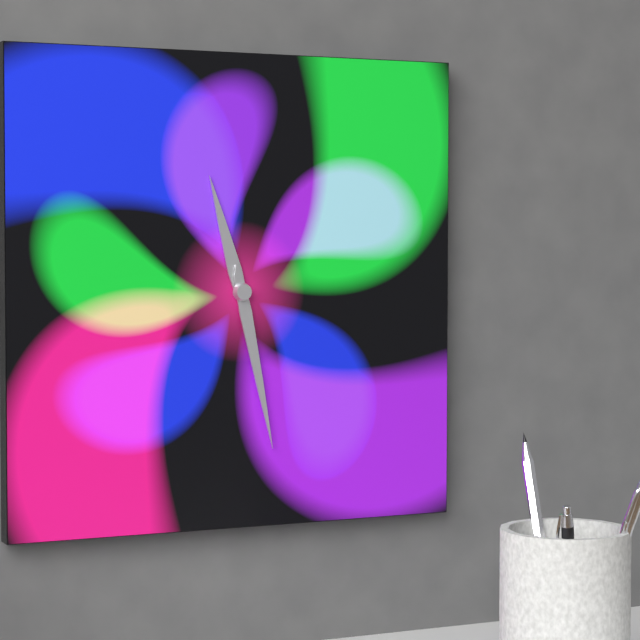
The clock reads 11h28
